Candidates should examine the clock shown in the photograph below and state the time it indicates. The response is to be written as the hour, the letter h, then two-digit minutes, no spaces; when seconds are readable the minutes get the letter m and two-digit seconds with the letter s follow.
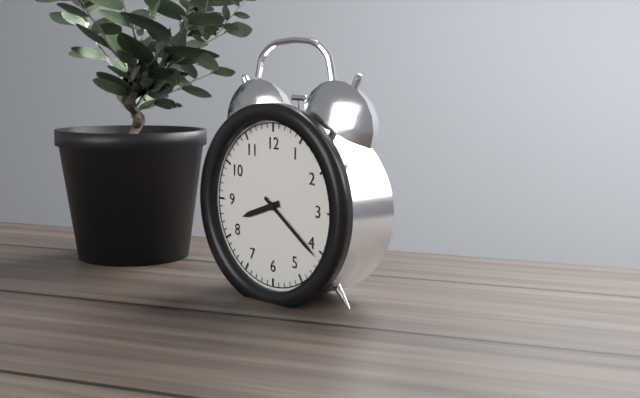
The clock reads 8h21
